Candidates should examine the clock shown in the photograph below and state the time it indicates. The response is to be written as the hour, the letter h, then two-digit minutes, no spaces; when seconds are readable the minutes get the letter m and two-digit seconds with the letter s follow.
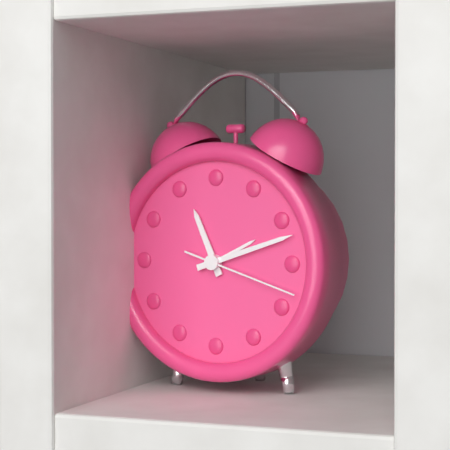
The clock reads 11h12m18s
